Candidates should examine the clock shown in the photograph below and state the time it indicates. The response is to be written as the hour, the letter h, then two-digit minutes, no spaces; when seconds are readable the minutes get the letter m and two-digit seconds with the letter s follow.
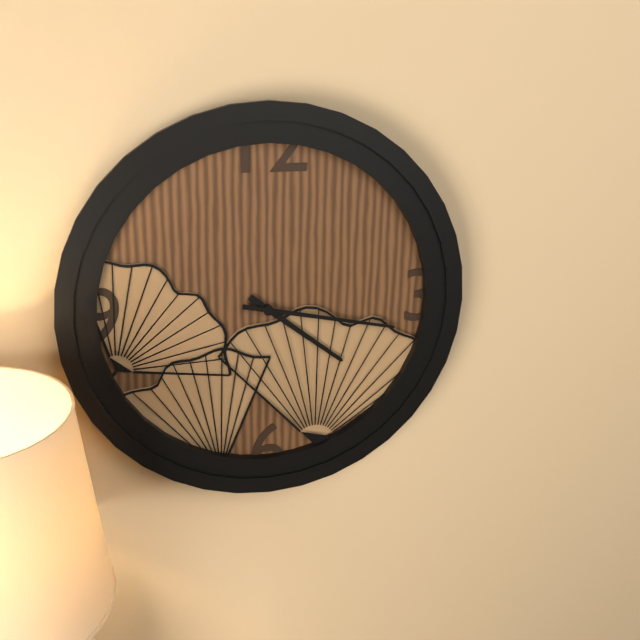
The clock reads 4h17
